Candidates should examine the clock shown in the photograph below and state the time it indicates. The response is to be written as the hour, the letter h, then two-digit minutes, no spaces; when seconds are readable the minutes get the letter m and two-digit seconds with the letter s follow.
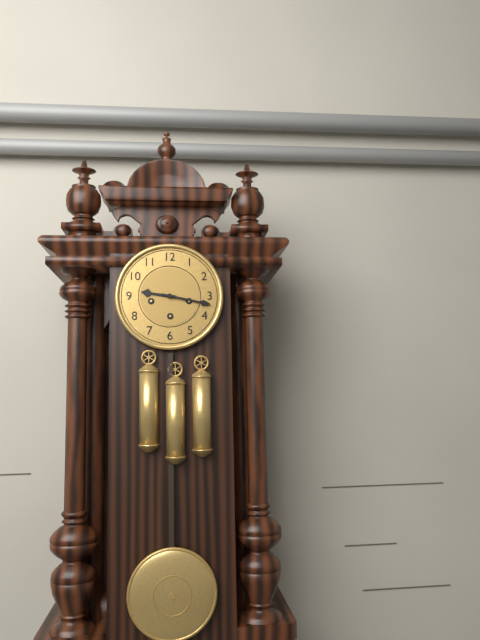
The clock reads 9h17
